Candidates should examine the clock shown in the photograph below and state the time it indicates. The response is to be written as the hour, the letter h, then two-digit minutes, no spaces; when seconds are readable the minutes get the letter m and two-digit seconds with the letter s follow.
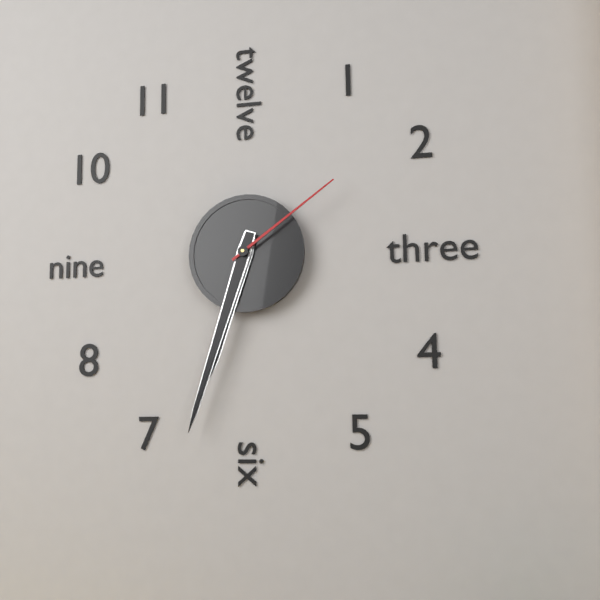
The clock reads 6h33m09s
